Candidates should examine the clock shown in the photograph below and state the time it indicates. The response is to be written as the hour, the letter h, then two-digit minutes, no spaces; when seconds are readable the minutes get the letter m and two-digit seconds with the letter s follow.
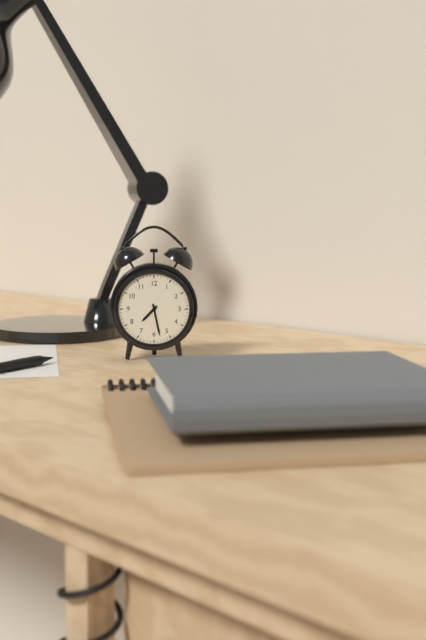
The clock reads 7h28
